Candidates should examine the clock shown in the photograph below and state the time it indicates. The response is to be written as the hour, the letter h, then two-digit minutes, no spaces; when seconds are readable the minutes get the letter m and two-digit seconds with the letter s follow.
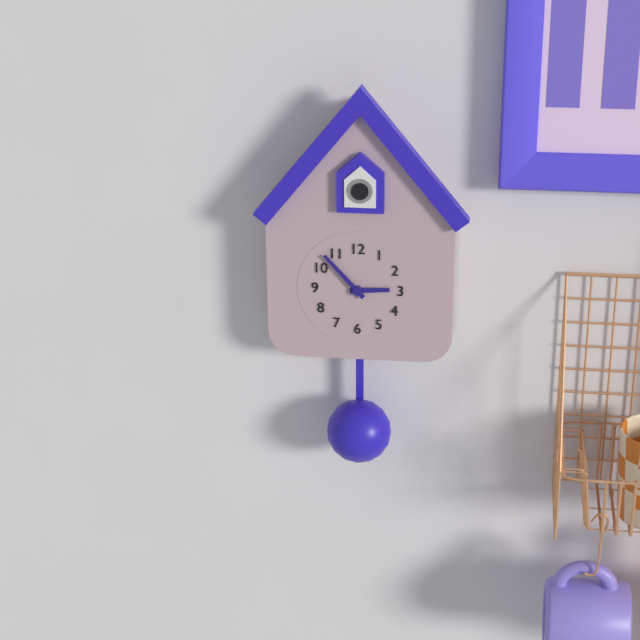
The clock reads 2h53
